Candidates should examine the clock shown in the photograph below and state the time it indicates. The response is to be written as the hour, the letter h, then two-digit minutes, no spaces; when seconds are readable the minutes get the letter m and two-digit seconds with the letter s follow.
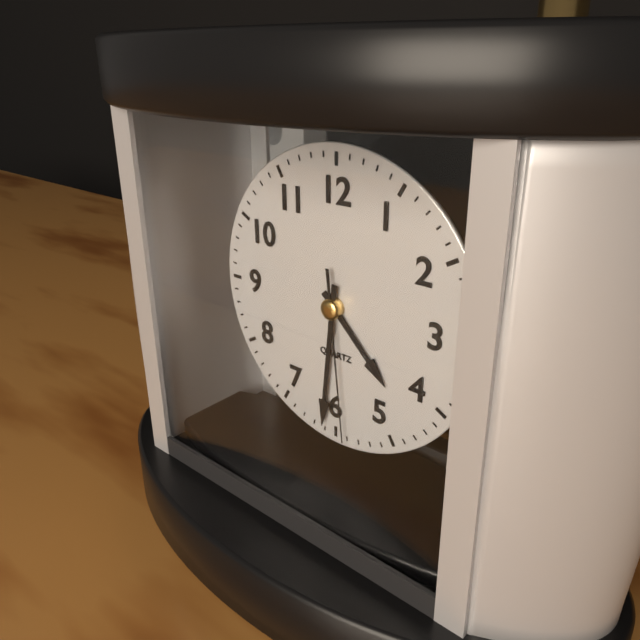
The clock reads 4h31m29s
